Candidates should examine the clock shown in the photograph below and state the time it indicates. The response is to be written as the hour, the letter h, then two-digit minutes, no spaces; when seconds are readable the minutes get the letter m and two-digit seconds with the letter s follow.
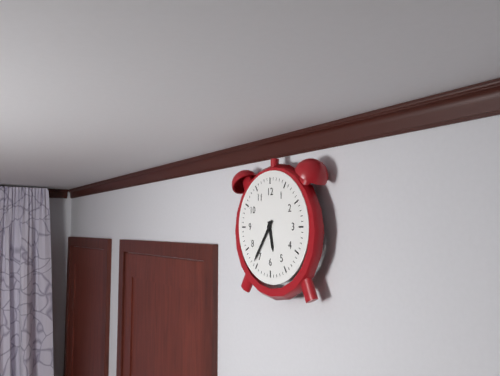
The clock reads 5h36
